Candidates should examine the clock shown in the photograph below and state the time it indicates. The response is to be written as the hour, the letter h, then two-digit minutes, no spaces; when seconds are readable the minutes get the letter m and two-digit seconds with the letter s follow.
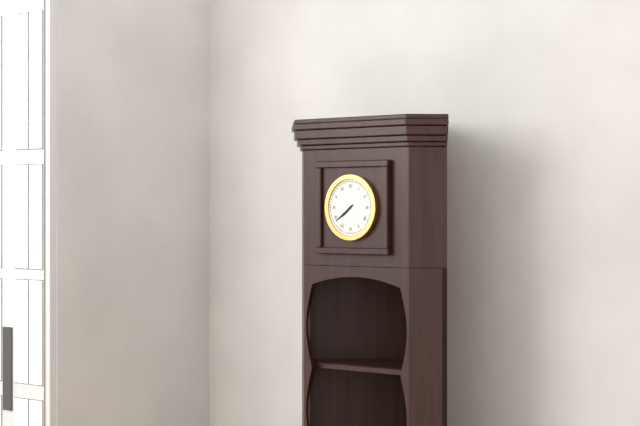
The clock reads 7h39
